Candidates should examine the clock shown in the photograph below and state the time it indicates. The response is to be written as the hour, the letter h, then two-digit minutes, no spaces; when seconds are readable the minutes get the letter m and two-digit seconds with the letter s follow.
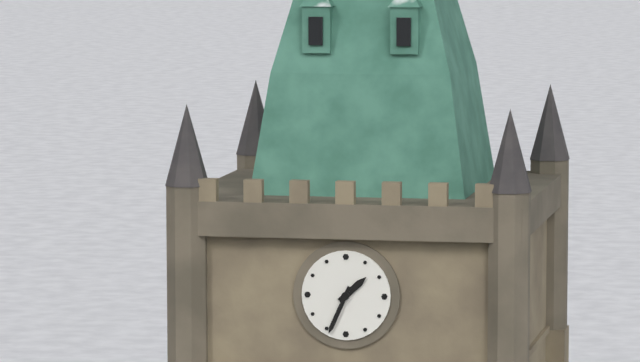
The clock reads 1h34
